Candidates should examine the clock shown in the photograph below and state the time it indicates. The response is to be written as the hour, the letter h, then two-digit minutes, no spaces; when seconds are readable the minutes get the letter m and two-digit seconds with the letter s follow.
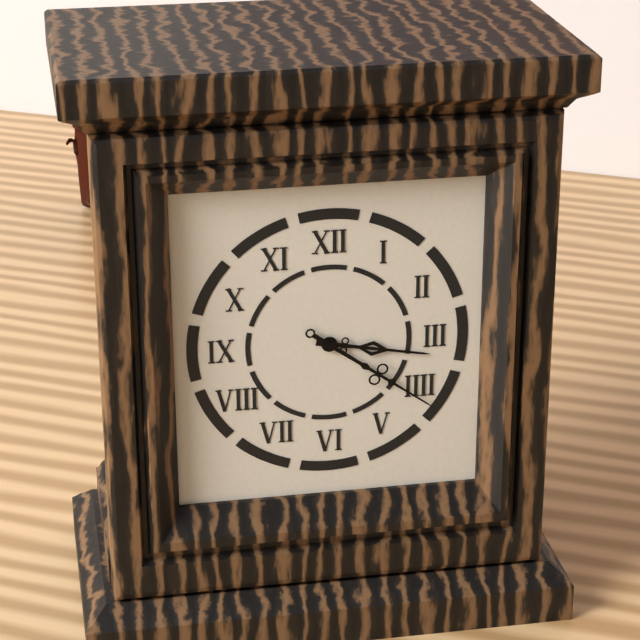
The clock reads 3h21
